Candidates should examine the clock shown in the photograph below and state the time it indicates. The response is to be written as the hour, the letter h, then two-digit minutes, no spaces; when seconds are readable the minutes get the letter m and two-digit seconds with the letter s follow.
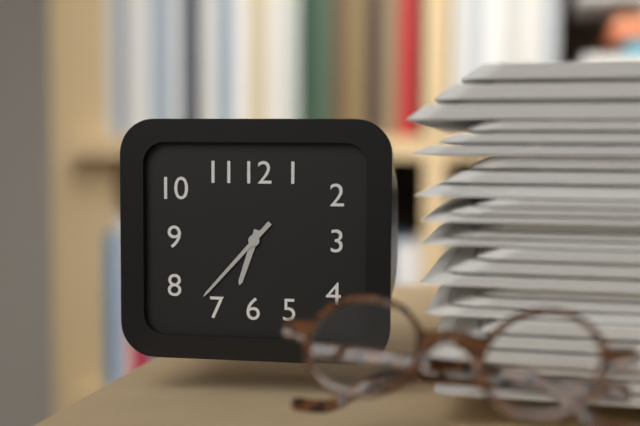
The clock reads 6h37
